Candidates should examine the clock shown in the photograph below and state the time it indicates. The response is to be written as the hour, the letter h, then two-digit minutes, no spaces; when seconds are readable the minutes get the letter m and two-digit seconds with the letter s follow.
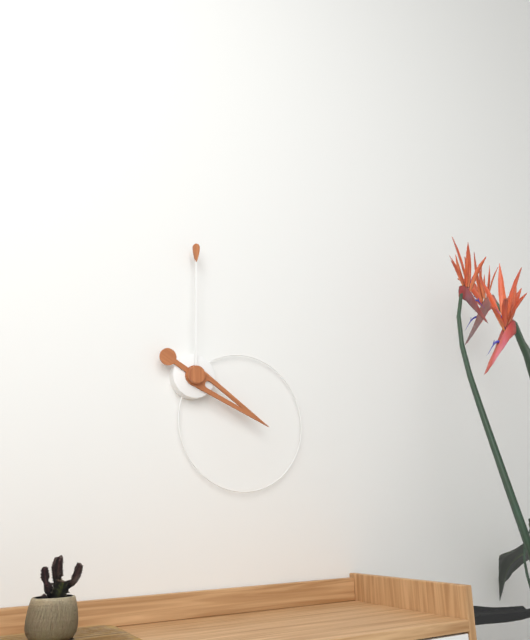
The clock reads 4h00
